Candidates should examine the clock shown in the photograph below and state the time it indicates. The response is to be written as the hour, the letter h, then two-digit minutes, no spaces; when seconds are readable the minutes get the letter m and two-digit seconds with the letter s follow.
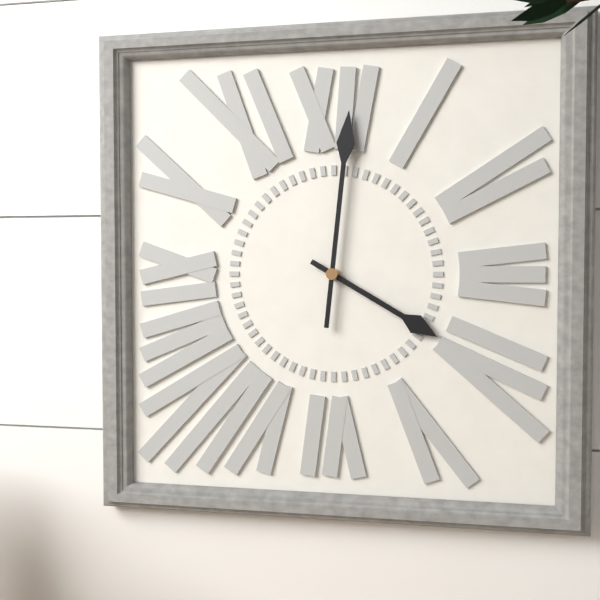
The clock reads 4h01
